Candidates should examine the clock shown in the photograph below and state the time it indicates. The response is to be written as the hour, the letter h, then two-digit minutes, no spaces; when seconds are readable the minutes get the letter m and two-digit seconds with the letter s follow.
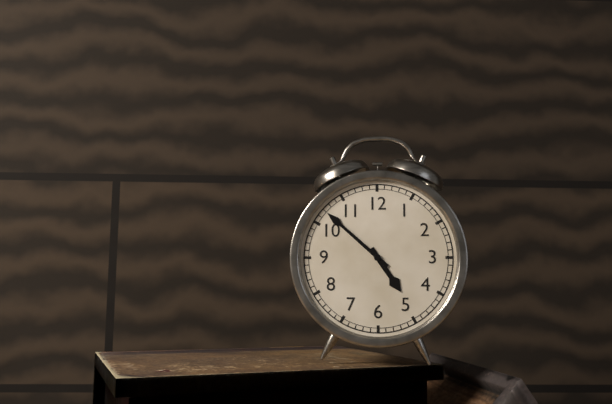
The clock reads 4h52
